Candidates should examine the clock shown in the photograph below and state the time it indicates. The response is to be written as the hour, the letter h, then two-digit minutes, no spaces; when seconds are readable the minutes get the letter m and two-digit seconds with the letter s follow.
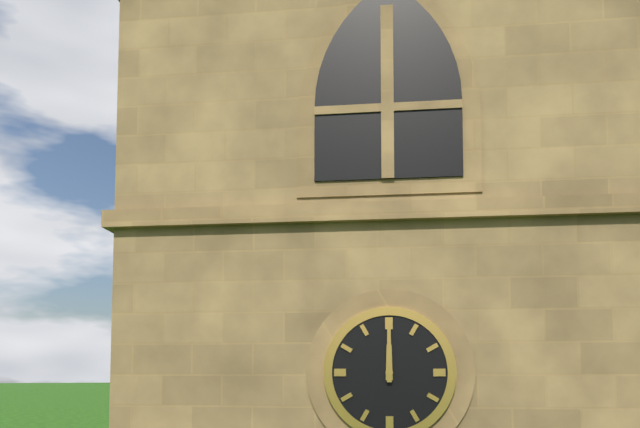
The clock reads 12h00
